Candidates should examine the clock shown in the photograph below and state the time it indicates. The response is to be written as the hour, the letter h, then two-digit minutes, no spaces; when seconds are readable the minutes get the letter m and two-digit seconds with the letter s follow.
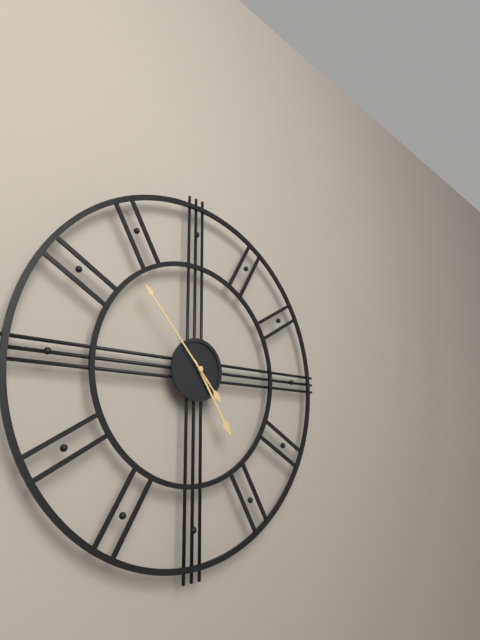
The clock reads 4h53
